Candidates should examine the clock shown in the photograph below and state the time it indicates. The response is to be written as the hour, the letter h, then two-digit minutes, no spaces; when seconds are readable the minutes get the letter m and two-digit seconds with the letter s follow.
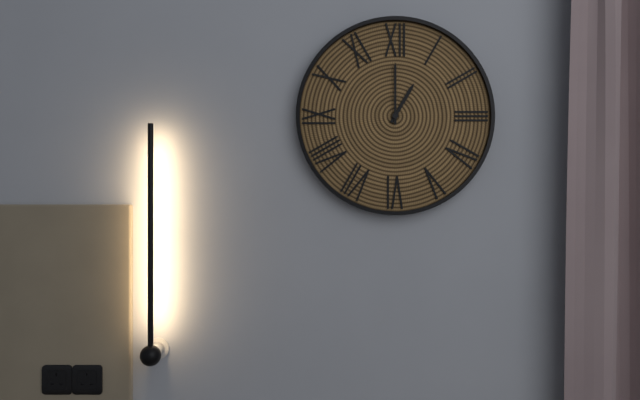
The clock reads 1h00
